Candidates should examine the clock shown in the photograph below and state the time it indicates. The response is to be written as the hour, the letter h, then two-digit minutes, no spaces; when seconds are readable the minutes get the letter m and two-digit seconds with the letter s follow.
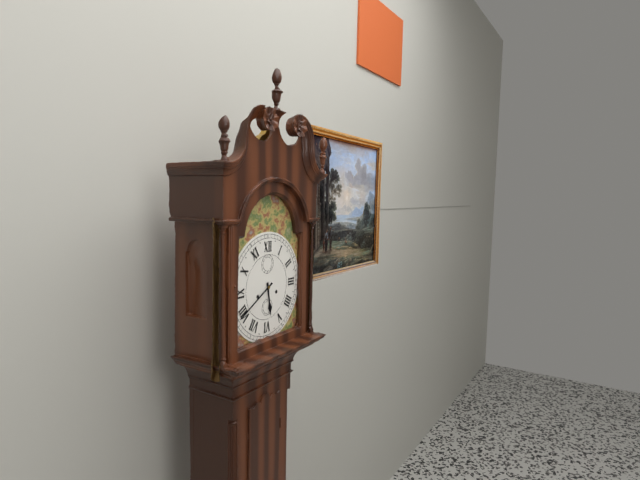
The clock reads 5h40
